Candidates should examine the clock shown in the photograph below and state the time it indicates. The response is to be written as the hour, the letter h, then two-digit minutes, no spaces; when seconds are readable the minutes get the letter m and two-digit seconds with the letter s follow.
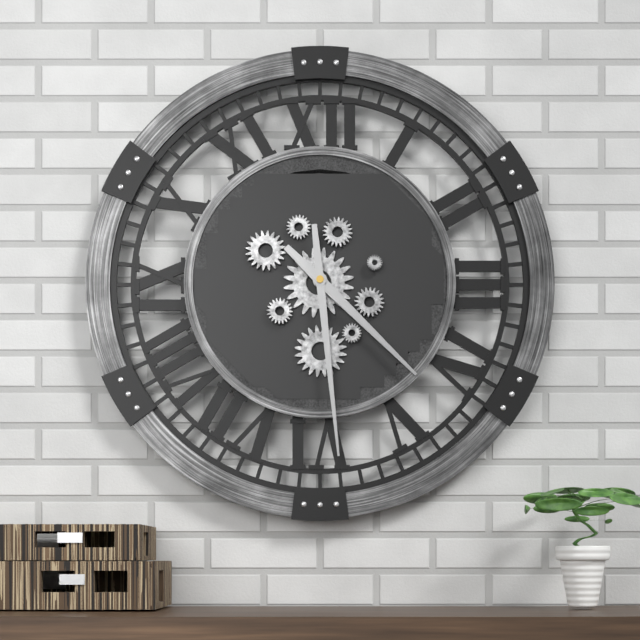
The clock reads 4h29
